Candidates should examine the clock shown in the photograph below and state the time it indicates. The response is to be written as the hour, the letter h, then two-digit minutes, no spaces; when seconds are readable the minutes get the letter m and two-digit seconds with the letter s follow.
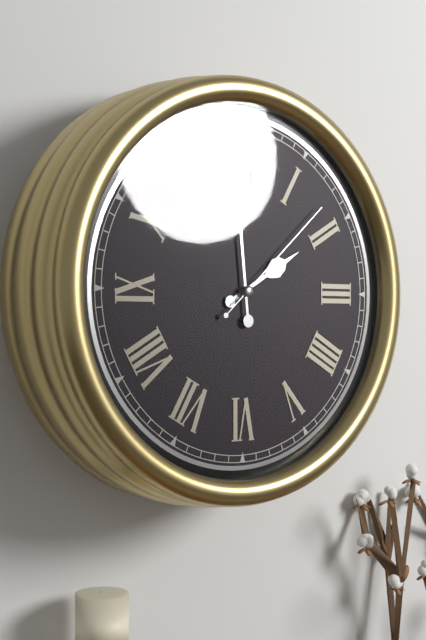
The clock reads 1h59m08s
